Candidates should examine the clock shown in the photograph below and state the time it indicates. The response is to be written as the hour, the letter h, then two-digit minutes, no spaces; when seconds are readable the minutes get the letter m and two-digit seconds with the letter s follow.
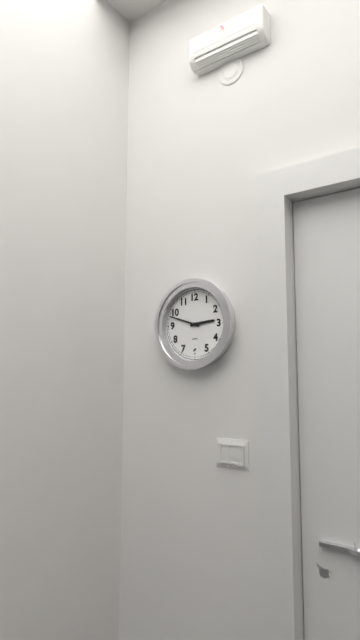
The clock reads 2h48
